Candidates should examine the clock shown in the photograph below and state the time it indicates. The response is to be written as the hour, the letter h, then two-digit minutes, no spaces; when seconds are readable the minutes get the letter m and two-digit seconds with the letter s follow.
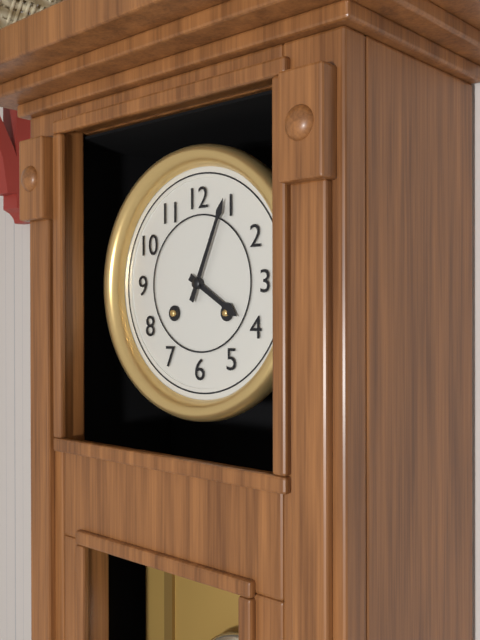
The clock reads 4h04
